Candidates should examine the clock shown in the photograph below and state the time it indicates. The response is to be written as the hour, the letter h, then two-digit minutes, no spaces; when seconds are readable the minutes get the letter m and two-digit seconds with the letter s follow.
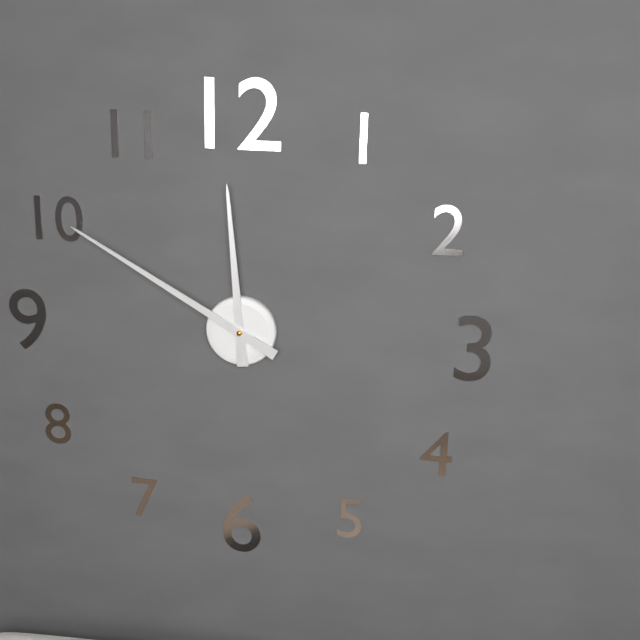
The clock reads 11h50
